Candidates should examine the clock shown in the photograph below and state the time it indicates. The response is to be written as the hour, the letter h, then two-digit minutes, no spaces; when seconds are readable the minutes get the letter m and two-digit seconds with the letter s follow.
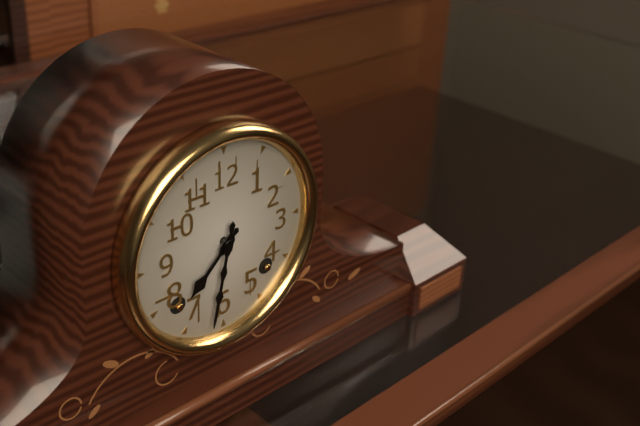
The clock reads 7h32
